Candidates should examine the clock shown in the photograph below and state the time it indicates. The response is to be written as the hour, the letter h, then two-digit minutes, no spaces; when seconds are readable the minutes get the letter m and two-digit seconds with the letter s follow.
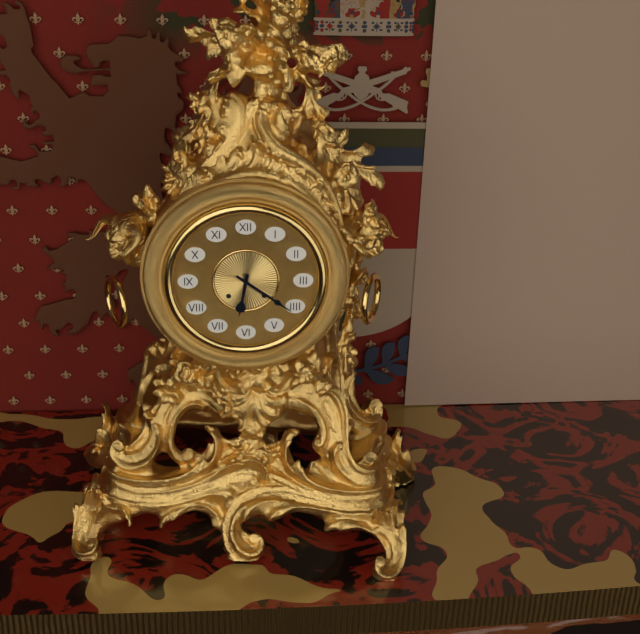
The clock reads 6h21
